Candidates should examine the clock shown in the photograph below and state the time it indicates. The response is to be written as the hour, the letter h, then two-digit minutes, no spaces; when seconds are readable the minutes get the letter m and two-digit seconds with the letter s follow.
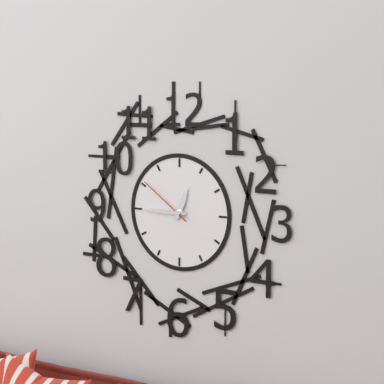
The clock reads 12h45m51s
